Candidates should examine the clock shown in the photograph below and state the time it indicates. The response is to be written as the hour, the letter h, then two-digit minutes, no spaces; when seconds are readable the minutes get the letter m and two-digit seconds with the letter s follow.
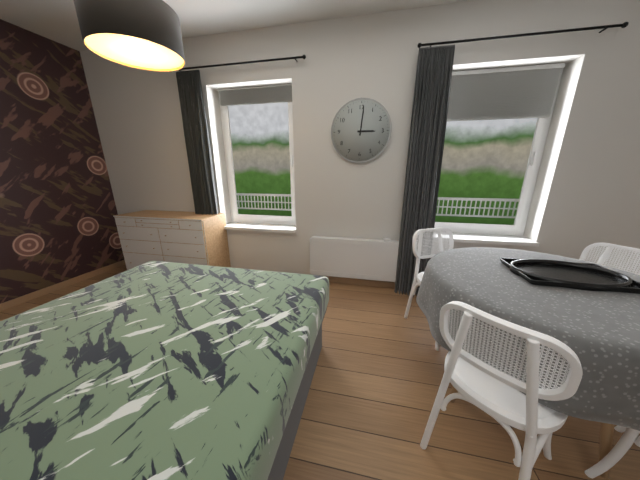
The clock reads 3h01
